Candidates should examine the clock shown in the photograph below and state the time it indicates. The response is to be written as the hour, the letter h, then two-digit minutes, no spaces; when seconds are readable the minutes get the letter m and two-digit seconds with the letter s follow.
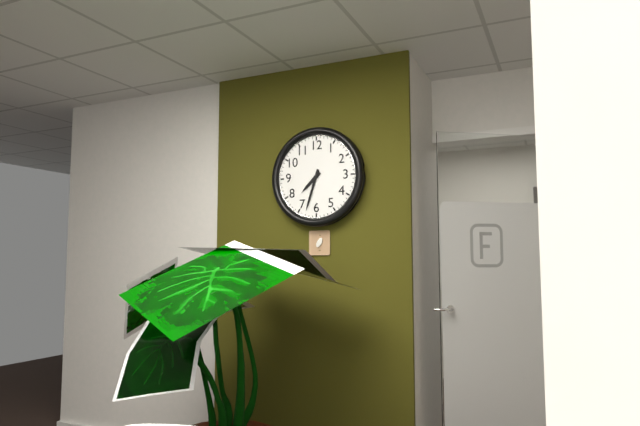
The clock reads 7h33
